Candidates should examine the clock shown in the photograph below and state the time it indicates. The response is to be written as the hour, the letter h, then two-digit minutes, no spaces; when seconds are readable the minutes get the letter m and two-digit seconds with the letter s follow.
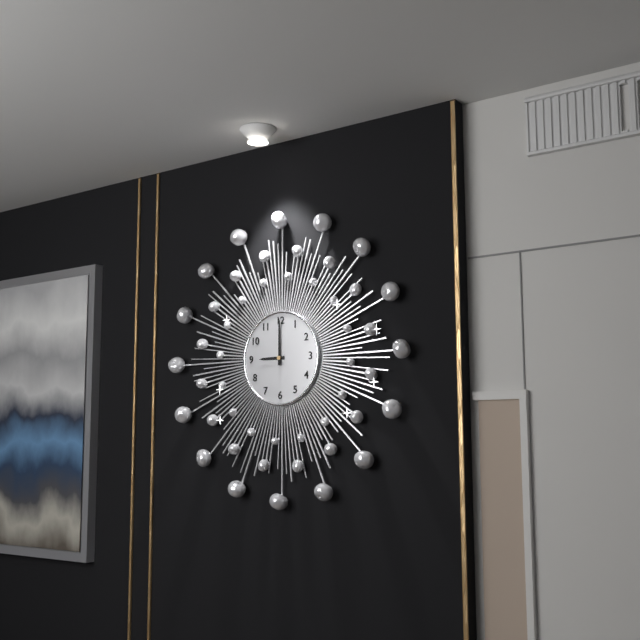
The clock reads 9h00
